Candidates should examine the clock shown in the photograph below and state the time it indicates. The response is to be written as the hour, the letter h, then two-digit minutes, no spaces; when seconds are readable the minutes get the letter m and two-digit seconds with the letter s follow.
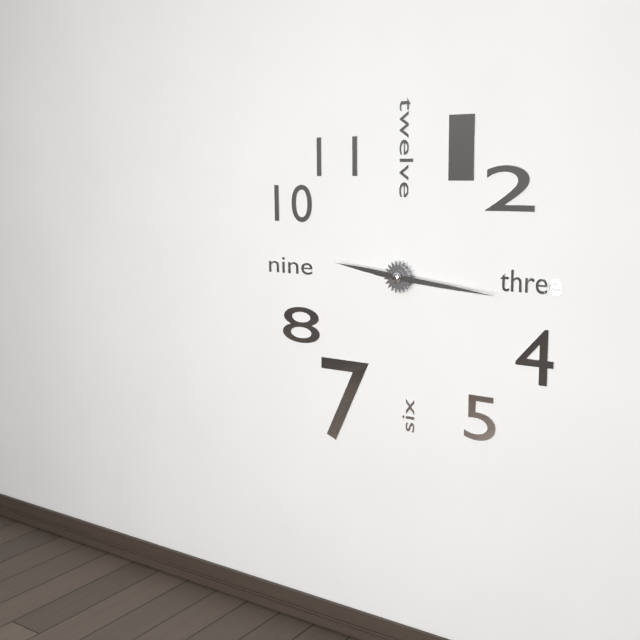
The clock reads 9h16
